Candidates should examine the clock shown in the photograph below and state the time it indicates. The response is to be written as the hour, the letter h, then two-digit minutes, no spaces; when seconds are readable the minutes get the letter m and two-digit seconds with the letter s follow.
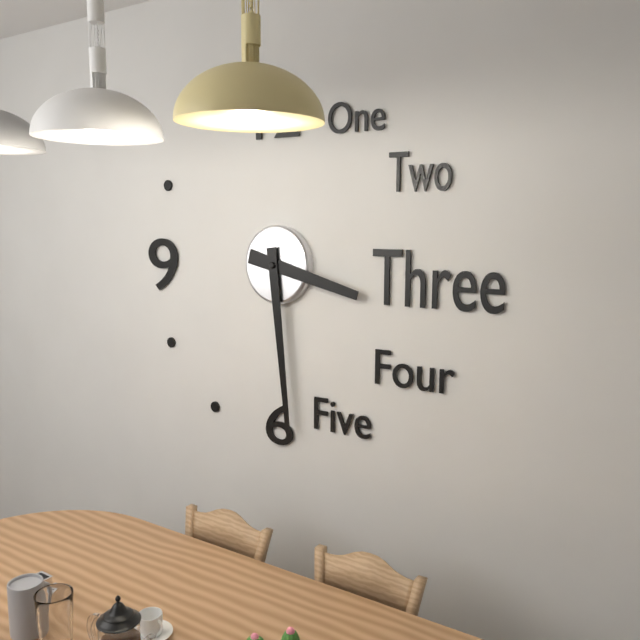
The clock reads 3h29
